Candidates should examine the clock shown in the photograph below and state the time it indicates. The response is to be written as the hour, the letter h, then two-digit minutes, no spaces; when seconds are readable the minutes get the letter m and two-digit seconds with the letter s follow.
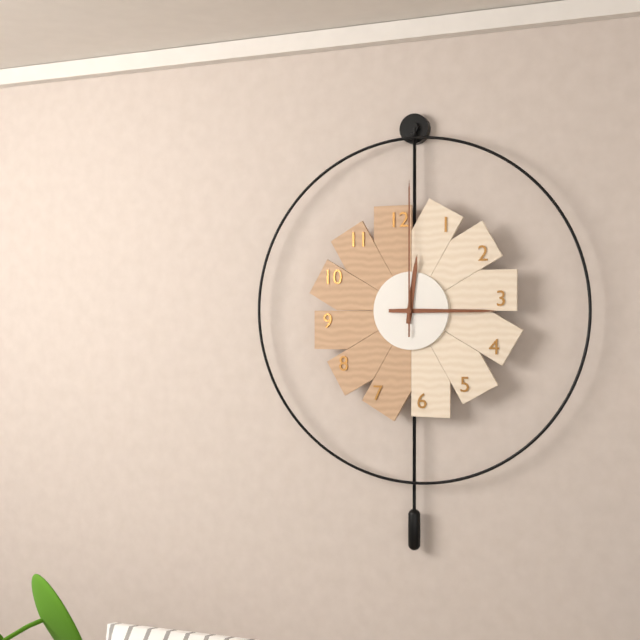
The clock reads 12h15m00s
